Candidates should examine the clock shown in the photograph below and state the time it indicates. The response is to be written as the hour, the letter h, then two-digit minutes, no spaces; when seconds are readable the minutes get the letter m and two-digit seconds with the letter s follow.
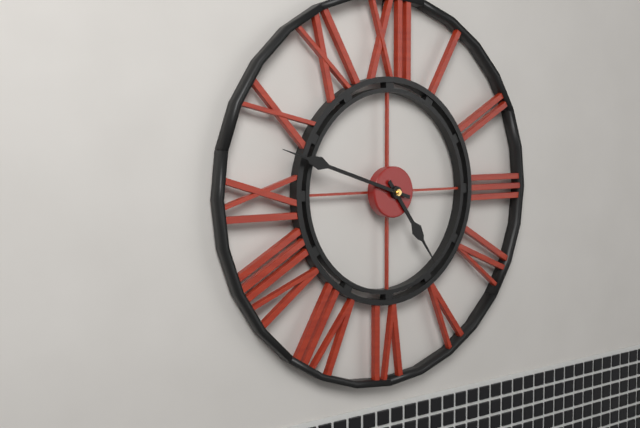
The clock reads 4h48
